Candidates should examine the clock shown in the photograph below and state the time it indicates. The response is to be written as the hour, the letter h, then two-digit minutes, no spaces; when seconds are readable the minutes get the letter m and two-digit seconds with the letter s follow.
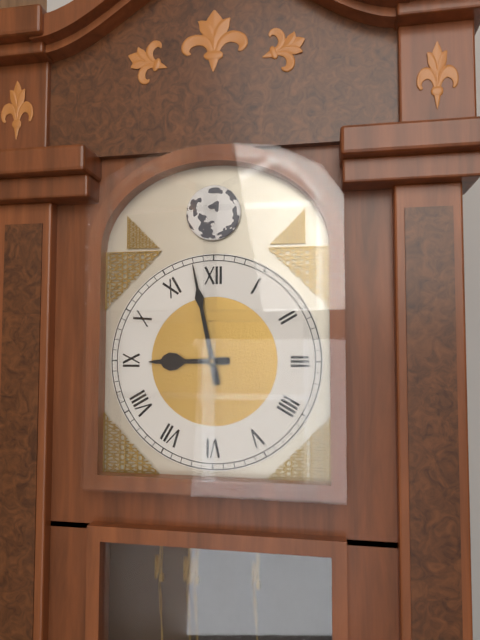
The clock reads 8h58
